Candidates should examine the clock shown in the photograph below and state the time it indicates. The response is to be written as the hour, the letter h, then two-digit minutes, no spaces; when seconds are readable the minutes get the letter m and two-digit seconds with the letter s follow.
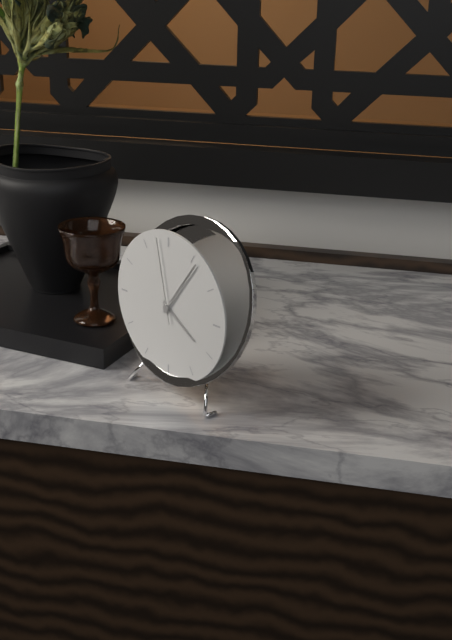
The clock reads 4h06m58s
